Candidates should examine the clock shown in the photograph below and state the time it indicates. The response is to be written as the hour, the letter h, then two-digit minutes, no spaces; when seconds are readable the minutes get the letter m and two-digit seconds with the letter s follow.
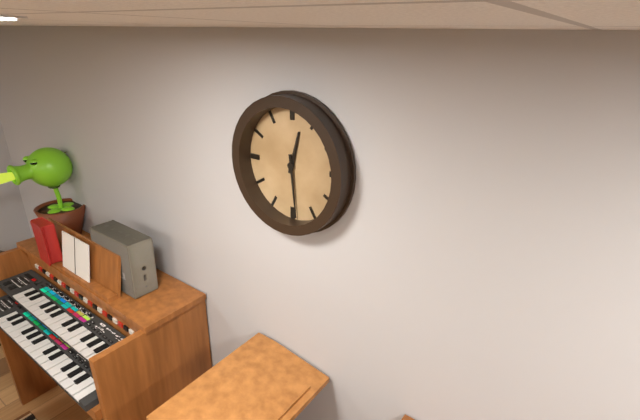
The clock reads 12h29
